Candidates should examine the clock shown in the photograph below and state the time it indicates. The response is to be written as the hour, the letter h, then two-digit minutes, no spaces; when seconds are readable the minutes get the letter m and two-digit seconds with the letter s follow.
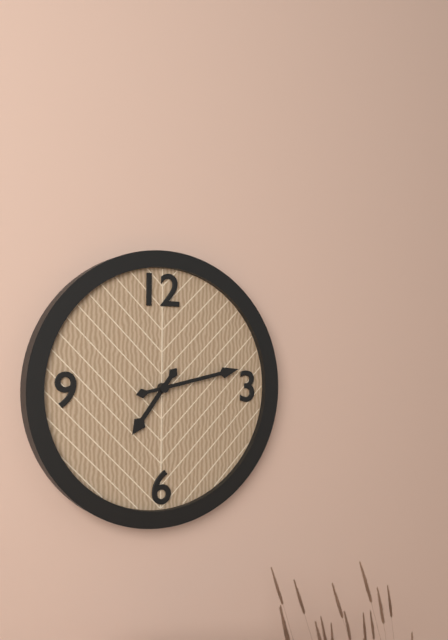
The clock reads 7h13
